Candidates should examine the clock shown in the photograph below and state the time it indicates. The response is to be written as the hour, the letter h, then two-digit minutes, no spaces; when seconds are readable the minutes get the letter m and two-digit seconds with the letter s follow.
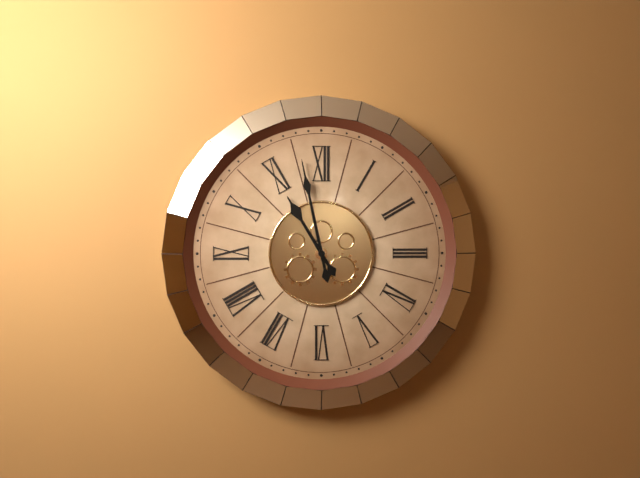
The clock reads 10h58
